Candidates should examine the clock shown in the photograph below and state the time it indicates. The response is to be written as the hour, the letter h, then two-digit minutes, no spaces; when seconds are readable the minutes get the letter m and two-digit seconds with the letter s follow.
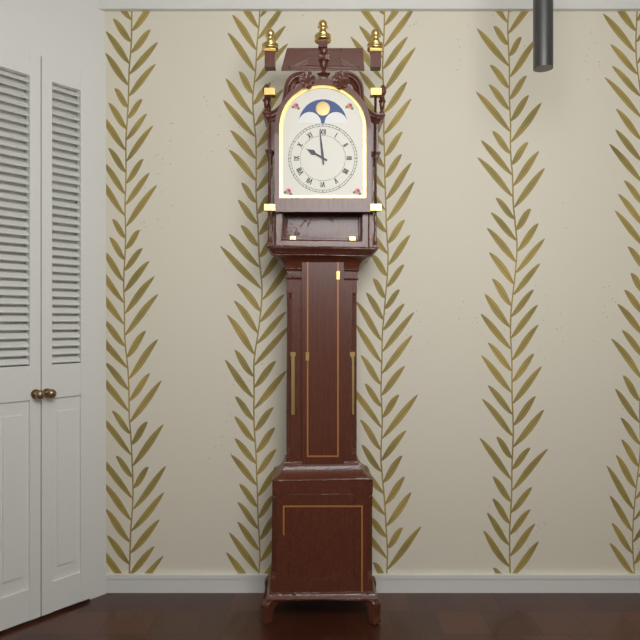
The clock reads 9h59
